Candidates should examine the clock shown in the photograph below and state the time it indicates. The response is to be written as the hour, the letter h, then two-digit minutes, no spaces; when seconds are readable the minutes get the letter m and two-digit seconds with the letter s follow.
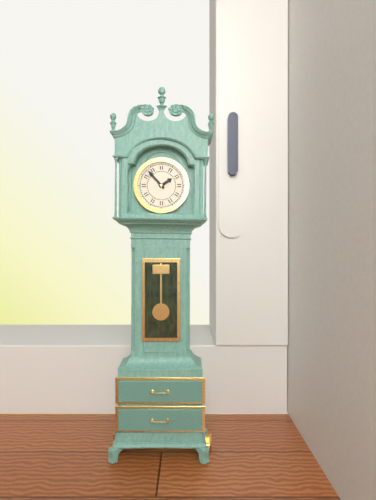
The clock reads 1h53
